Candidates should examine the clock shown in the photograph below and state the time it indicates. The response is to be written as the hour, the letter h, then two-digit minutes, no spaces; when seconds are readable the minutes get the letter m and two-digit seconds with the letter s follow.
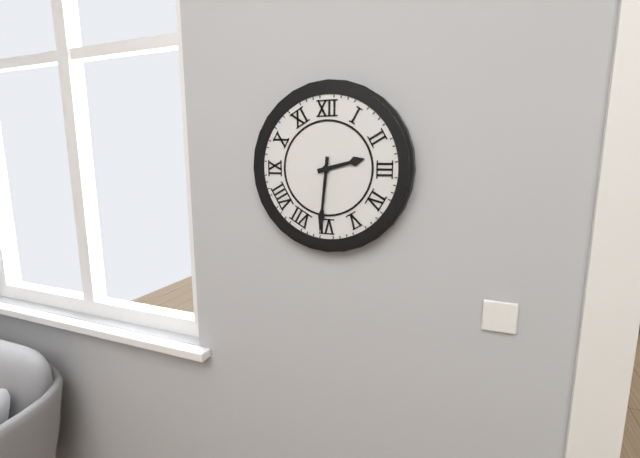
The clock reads 2h31
